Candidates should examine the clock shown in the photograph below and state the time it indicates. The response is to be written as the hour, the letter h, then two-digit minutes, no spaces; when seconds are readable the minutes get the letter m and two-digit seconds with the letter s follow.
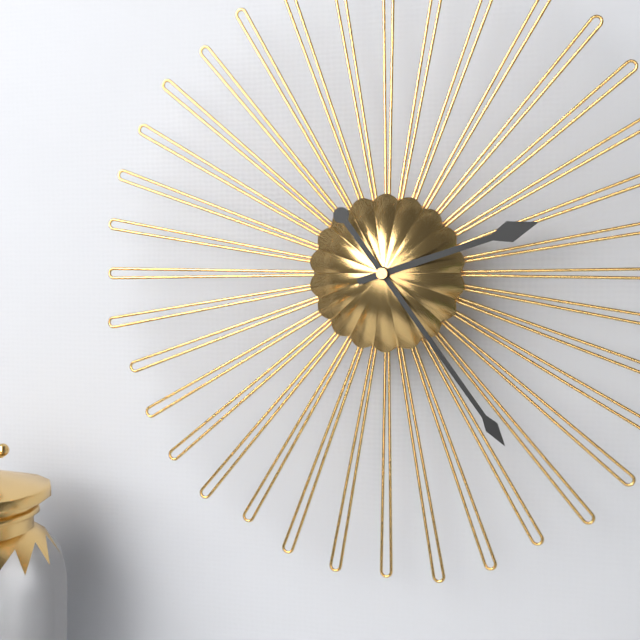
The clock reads 2h24
